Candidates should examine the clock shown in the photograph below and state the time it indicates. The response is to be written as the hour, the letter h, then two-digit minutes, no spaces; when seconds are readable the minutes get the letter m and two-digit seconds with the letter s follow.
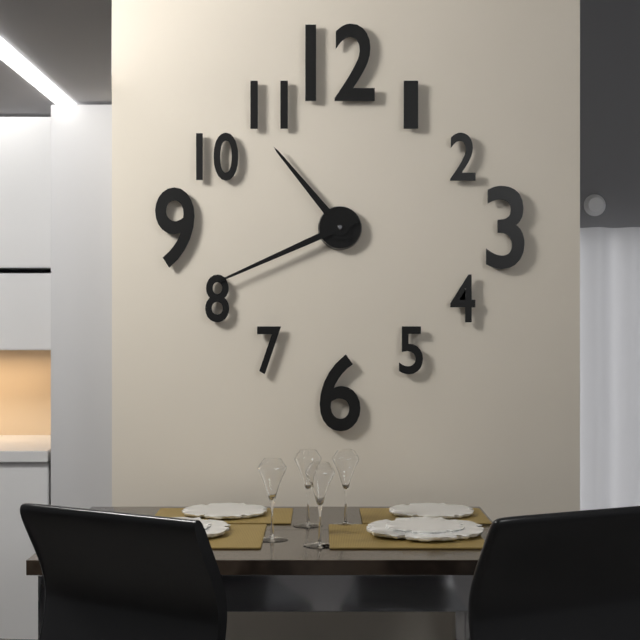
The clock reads 10h41
